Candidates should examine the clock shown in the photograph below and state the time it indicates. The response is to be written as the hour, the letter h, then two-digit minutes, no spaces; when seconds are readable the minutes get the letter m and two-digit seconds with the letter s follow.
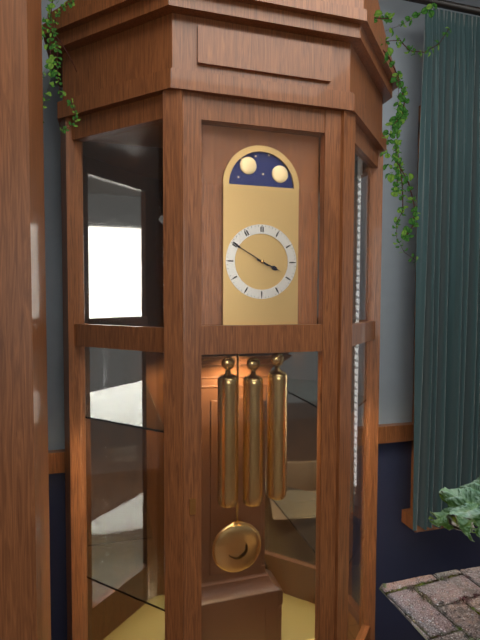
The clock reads 3h50
